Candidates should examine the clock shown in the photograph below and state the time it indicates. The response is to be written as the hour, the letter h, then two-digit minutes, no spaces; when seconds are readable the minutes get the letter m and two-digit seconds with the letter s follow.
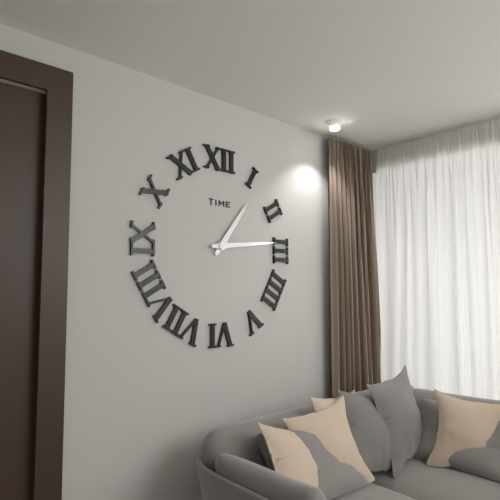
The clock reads 1h14
